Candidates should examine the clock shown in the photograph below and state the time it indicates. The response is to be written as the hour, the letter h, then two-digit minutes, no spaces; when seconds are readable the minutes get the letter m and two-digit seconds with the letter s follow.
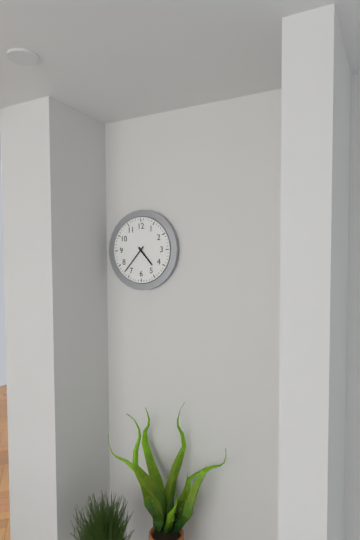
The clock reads 4h37
